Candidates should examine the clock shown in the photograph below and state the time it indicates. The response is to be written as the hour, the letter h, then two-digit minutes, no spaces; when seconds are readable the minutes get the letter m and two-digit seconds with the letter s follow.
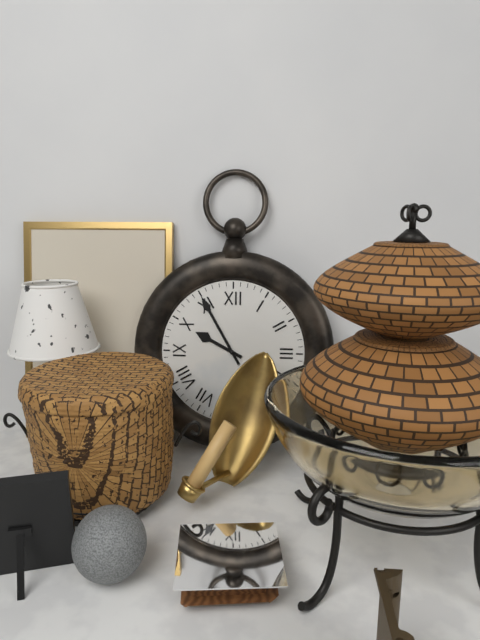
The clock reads 9h55
